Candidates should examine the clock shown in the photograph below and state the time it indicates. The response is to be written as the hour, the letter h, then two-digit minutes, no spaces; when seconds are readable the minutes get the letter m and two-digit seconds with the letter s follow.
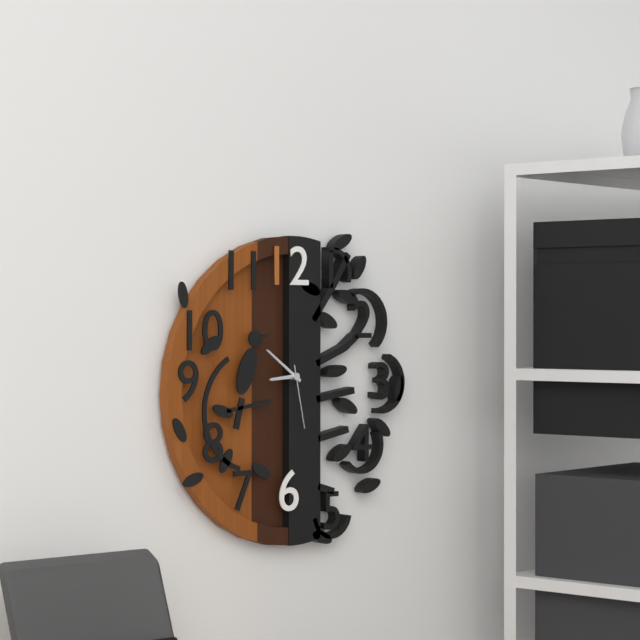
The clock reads 8h51m28s
